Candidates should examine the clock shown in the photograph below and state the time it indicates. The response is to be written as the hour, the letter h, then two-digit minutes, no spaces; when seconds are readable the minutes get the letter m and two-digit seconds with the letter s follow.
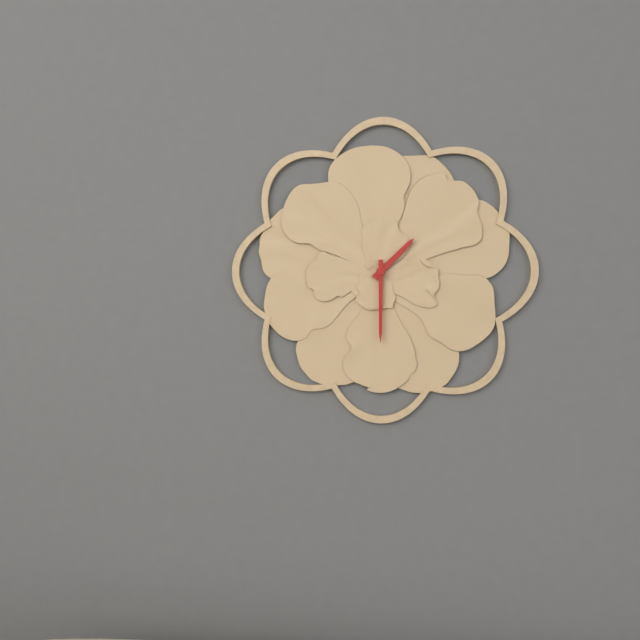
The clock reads 1h30
